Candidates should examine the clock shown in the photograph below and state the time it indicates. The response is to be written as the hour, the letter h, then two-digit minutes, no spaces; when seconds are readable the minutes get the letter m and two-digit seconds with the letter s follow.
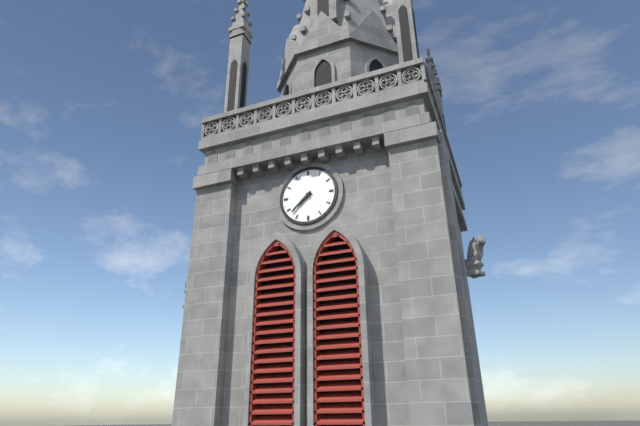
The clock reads 7h38
